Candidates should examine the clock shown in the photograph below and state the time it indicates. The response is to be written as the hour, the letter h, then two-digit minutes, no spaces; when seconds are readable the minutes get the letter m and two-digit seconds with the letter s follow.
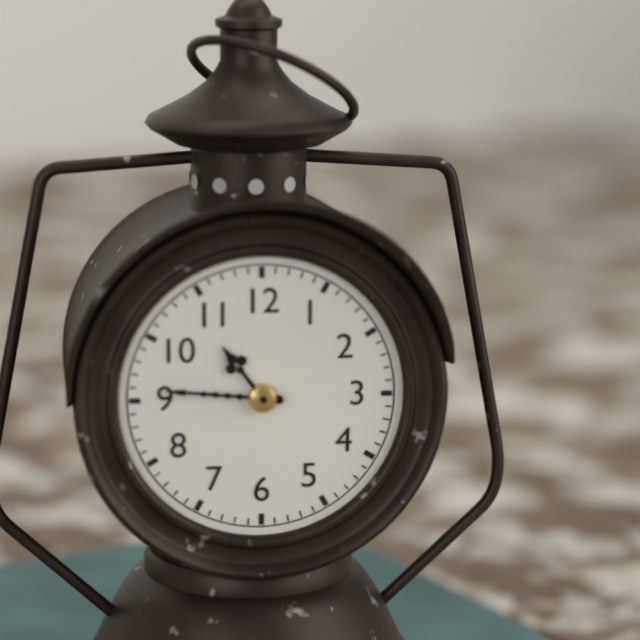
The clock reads 10h46
